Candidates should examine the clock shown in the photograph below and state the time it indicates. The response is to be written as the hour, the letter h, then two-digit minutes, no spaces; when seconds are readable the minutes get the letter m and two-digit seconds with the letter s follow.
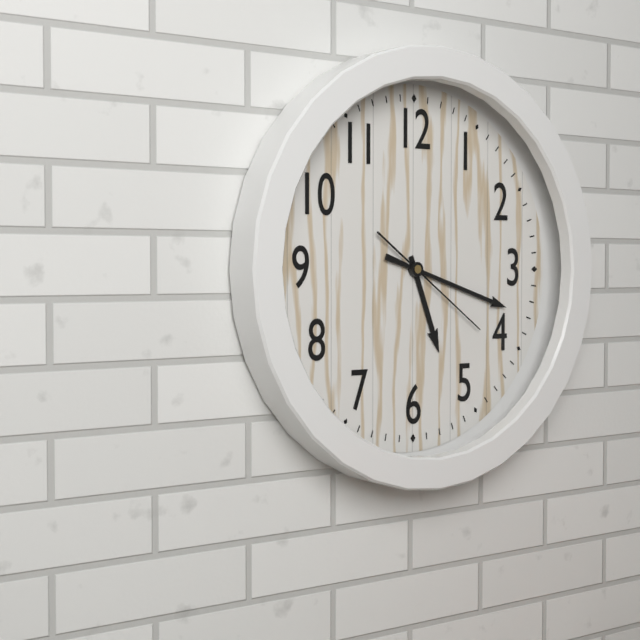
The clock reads 5h18m21s
